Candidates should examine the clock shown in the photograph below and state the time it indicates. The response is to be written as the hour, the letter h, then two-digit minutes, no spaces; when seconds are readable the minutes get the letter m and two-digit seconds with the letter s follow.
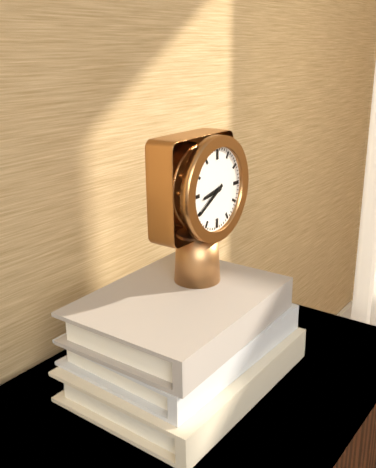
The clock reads 8h40
